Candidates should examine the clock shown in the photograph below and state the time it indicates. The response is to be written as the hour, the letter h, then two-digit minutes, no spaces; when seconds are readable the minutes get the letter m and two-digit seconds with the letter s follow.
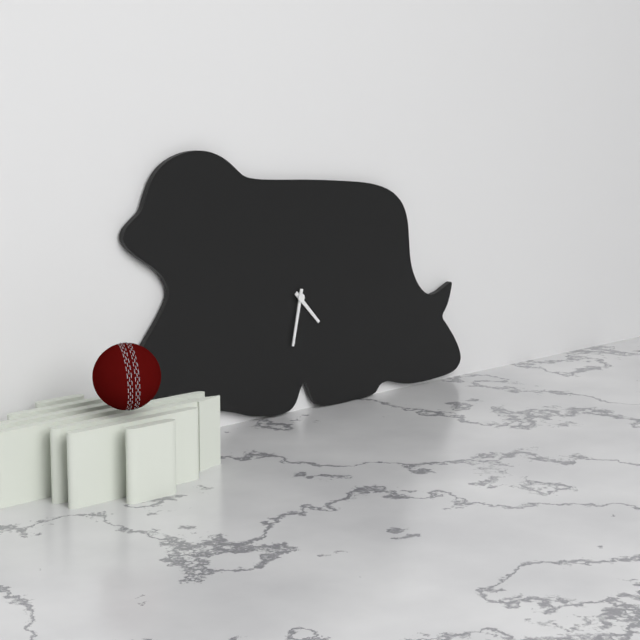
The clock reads 4h32
